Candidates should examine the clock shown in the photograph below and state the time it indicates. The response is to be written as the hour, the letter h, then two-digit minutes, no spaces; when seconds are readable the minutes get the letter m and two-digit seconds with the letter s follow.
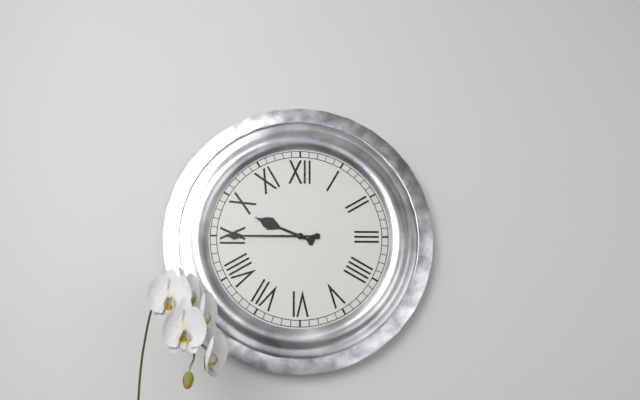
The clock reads 9h45
